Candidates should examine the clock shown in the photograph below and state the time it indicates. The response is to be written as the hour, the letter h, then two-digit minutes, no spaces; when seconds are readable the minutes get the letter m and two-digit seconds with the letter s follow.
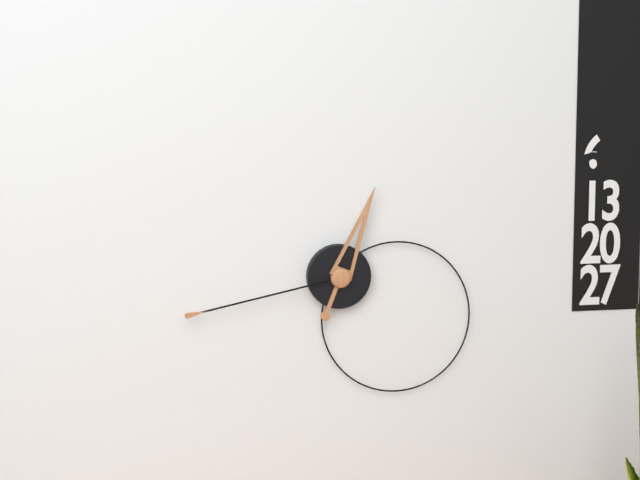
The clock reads 12h43
